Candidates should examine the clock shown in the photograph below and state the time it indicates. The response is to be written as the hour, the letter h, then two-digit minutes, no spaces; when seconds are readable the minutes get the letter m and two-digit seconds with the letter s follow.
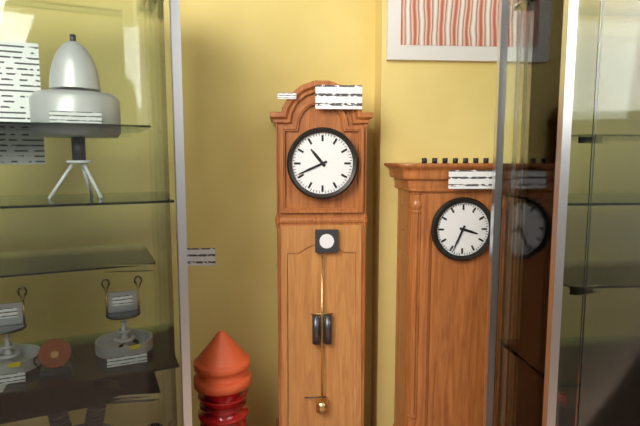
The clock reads 10h41
